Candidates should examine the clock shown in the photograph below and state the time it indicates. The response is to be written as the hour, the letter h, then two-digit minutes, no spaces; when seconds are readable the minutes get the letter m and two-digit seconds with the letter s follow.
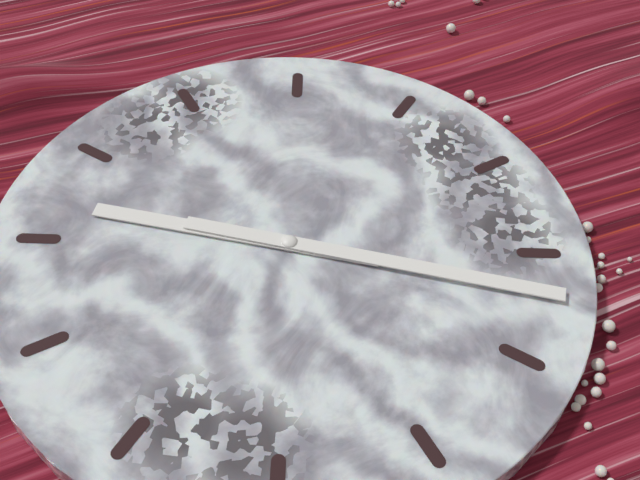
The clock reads 10h22
